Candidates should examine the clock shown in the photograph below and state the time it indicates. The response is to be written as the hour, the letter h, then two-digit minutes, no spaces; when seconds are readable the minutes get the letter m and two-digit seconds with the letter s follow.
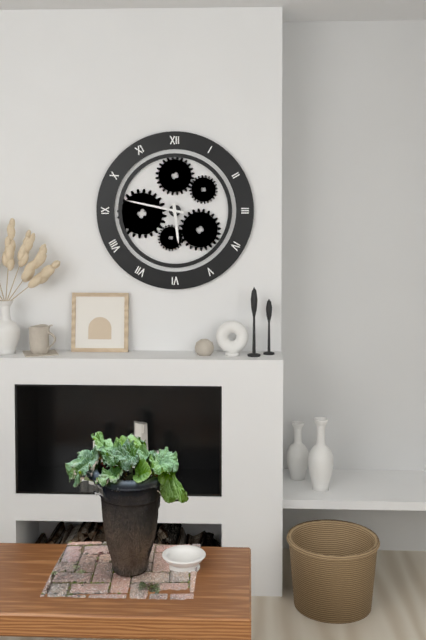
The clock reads 5h47
